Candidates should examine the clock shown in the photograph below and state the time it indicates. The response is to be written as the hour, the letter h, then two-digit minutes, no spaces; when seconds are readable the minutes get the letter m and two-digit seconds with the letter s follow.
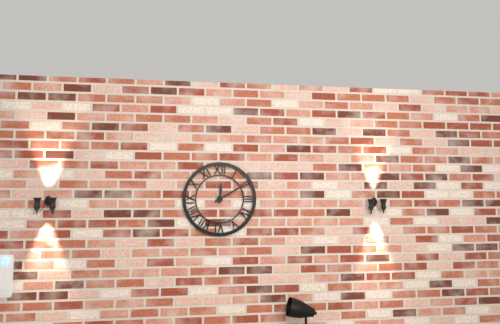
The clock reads 12h10
